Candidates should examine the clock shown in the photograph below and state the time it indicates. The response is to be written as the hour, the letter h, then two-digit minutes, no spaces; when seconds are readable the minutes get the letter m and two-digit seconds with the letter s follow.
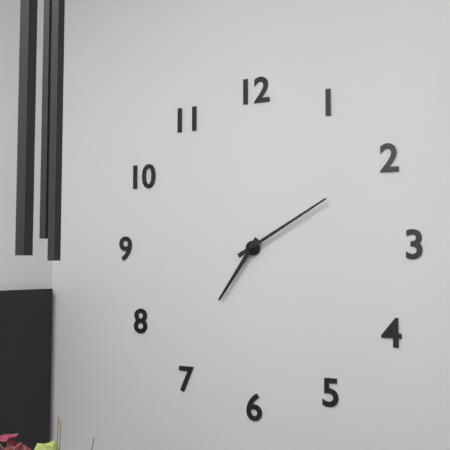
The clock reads 7h10
